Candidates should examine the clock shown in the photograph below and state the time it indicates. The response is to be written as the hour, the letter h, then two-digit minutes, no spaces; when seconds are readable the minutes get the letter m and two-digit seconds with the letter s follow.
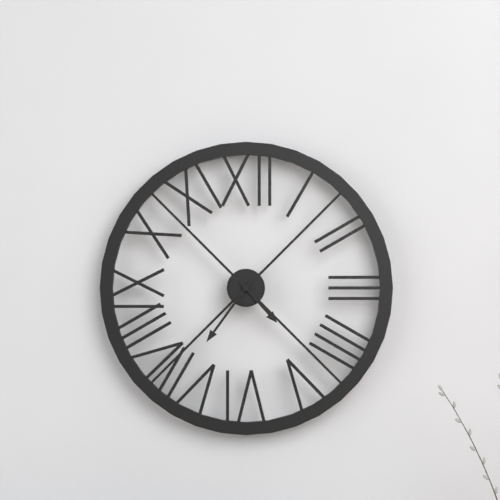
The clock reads 4h36
